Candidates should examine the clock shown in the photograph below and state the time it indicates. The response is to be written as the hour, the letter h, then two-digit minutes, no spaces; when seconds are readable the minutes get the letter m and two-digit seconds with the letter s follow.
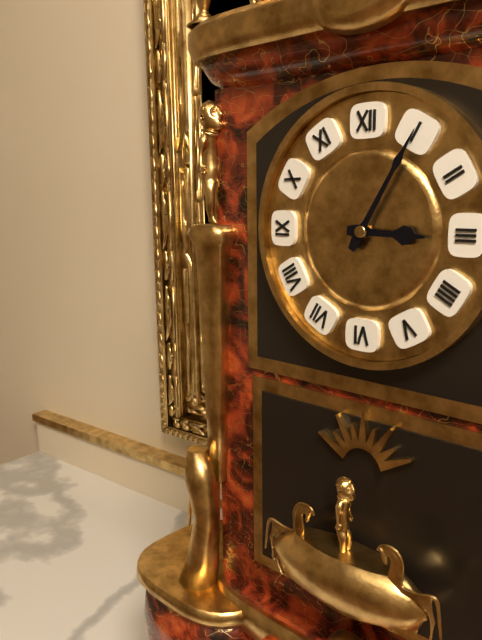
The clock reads 3h05
